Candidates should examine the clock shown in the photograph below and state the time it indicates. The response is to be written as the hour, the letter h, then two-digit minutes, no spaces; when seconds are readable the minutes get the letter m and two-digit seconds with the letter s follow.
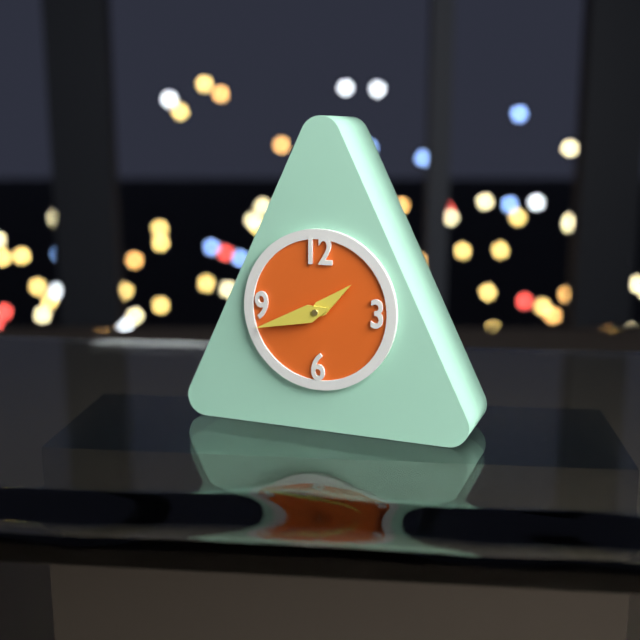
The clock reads 1h42
